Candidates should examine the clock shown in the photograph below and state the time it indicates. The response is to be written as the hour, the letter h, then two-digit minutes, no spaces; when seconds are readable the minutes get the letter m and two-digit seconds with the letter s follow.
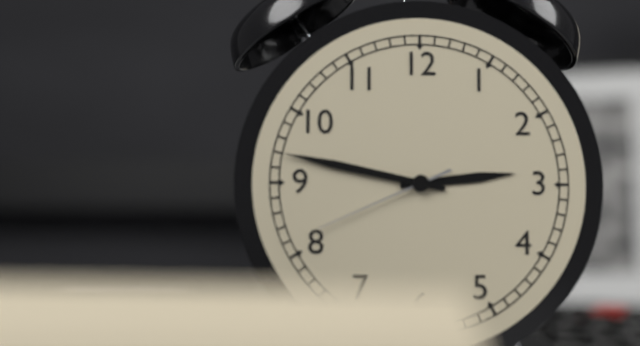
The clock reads 2h47m41s
